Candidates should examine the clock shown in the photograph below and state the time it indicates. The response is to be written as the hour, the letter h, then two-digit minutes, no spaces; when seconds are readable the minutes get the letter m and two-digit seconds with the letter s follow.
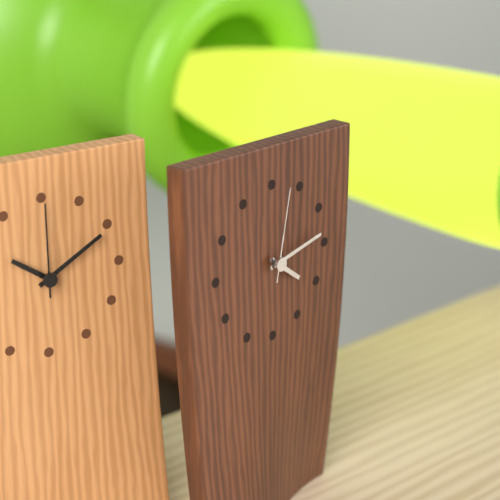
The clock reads 4h13m02s
